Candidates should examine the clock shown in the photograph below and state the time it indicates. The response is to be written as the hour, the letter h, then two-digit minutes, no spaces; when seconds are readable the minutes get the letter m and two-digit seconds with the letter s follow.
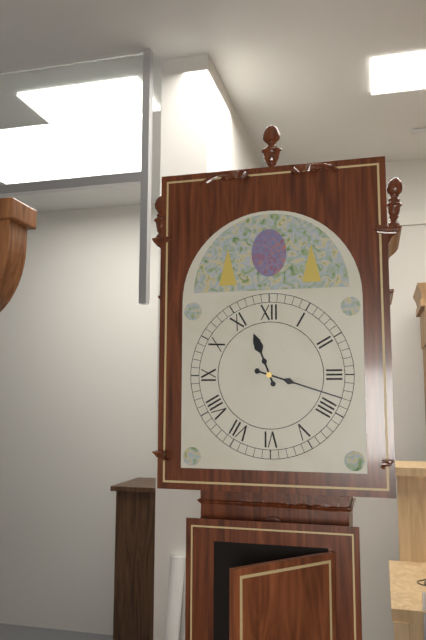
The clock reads 11h18
